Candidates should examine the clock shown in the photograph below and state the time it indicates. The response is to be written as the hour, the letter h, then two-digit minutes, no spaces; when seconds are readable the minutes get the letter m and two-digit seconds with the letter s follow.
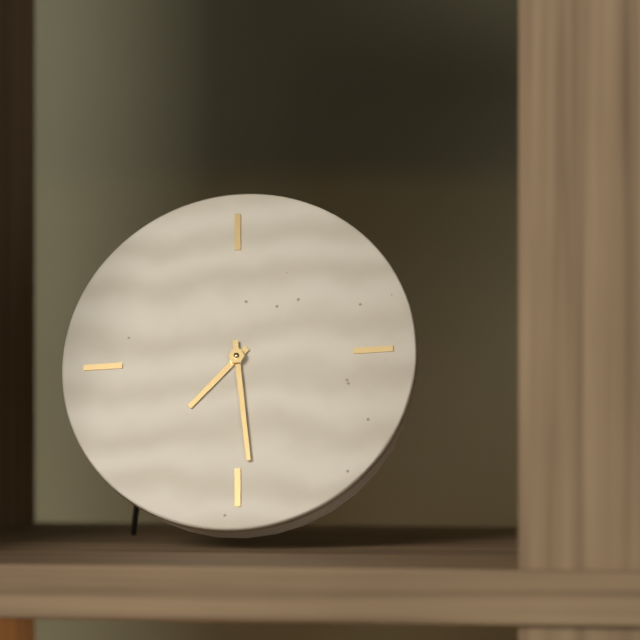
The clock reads 7h29
